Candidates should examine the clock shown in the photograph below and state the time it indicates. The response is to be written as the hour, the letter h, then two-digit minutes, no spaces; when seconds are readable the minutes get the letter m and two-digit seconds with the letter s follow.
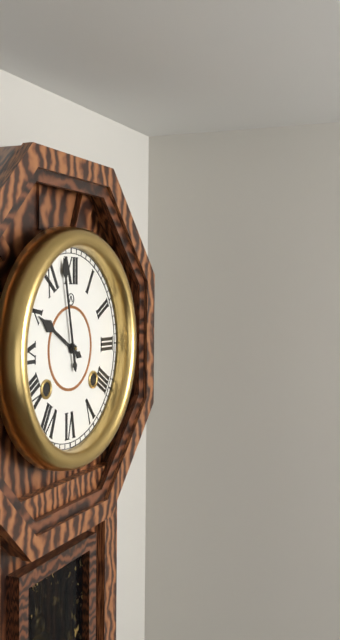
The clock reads 9h58
